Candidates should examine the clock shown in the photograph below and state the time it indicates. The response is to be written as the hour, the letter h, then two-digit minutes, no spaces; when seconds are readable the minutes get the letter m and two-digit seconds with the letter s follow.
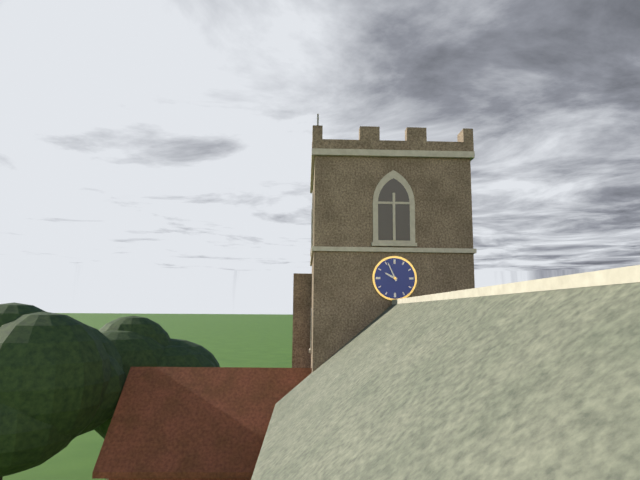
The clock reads 9h56
